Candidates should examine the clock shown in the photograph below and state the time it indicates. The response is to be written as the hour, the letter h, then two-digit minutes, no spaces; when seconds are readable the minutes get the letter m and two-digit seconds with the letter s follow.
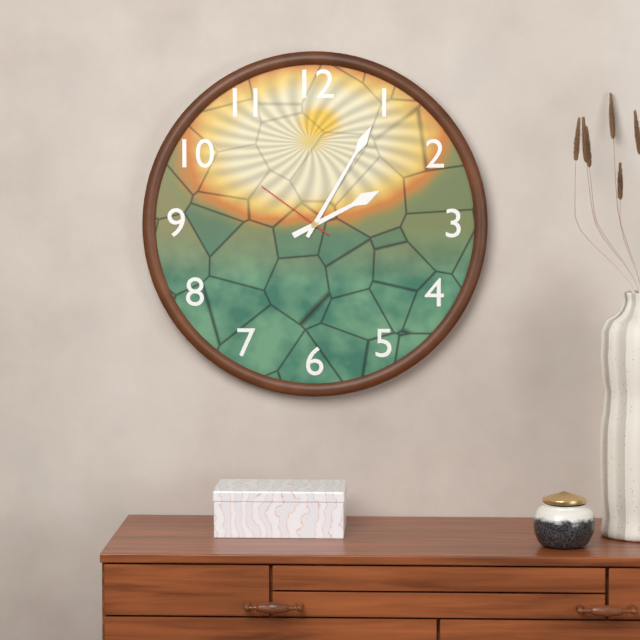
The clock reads 2h05m51s
